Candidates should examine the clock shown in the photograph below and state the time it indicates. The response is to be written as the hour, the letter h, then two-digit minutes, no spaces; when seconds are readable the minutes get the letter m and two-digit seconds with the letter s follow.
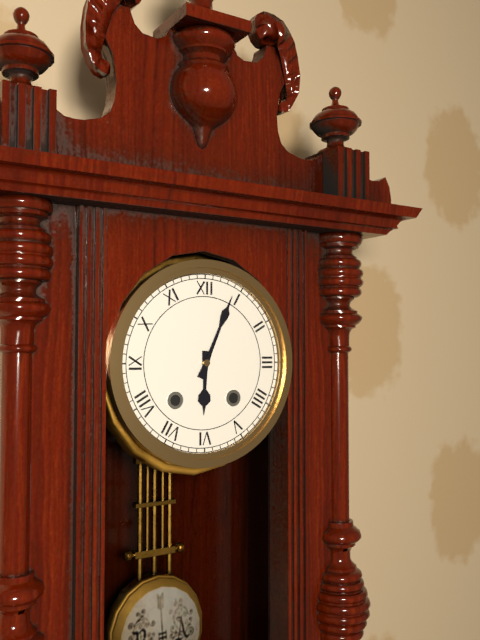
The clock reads 6h04
